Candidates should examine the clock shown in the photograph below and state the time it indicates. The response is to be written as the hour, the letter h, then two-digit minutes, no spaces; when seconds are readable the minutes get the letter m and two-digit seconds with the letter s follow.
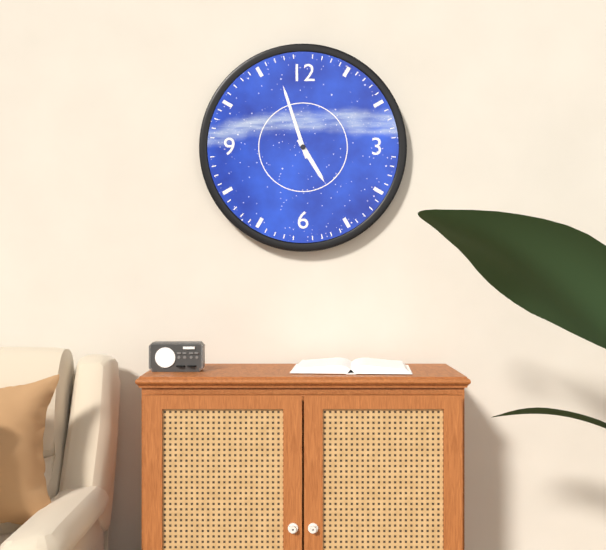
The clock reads 4h57
